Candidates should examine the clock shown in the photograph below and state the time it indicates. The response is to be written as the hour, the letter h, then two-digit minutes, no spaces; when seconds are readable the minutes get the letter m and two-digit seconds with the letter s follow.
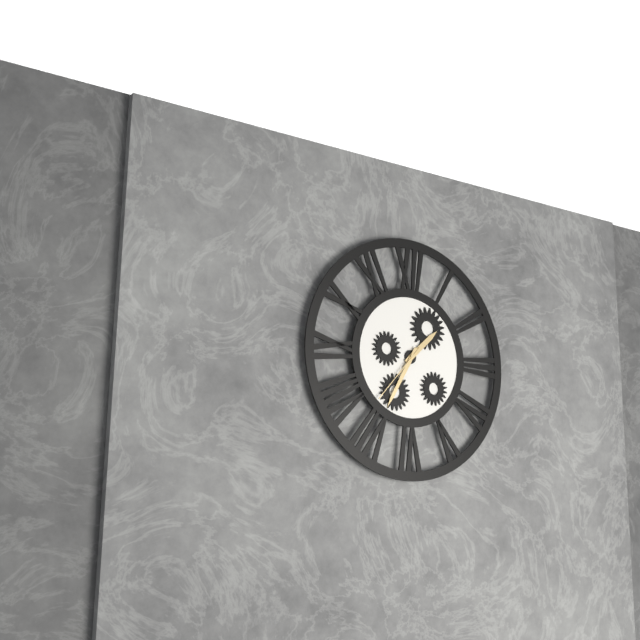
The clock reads 1h35m37s
